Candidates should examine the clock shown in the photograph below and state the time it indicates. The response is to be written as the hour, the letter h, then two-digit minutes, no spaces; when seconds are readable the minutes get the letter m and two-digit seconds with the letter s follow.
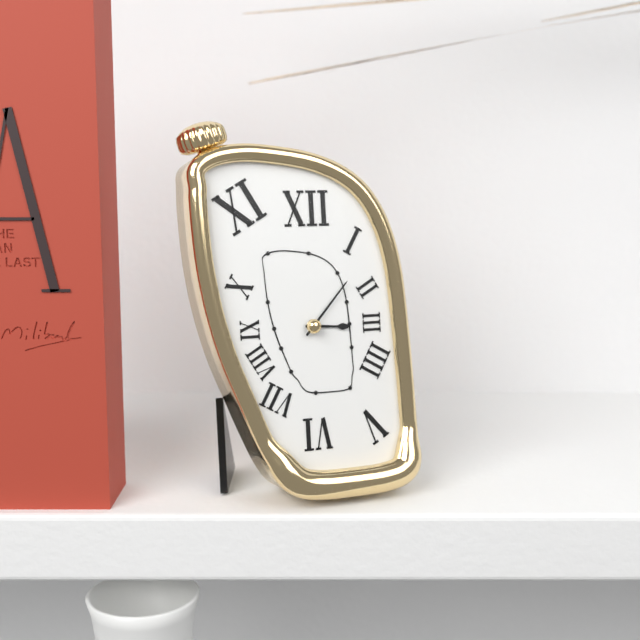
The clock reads 3h07
